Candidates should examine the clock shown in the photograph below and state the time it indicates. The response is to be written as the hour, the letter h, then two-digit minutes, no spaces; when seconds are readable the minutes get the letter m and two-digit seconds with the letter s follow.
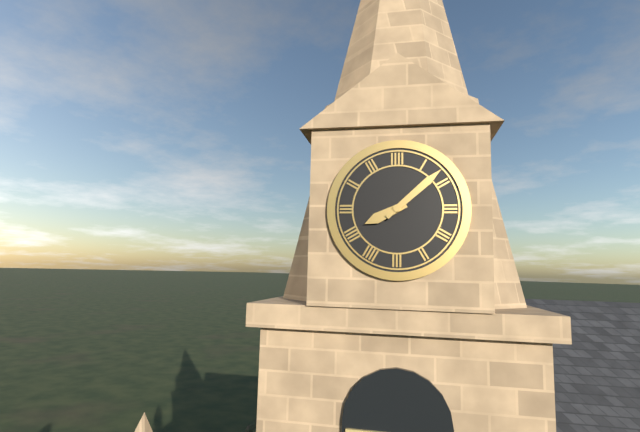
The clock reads 8h08
